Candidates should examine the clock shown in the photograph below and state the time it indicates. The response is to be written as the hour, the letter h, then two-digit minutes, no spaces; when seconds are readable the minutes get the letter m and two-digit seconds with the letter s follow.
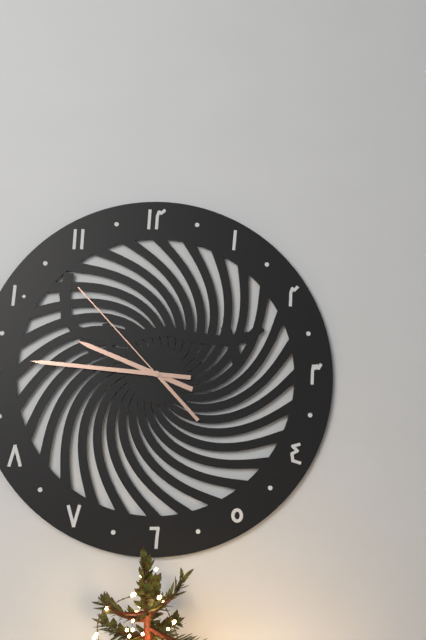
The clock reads 9h46m53s
